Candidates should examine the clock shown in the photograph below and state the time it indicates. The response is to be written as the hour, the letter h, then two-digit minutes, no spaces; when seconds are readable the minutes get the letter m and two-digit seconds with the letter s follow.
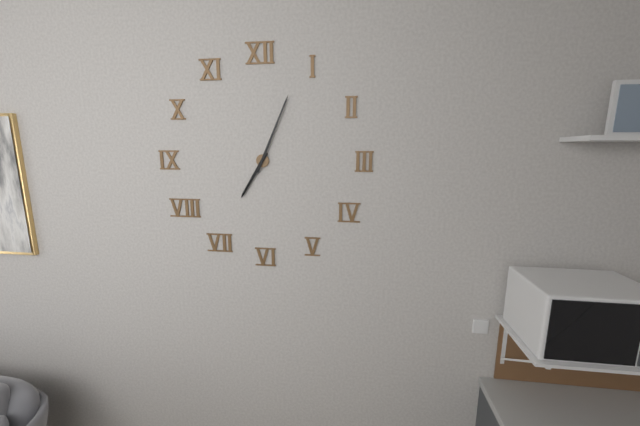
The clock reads 7h04
